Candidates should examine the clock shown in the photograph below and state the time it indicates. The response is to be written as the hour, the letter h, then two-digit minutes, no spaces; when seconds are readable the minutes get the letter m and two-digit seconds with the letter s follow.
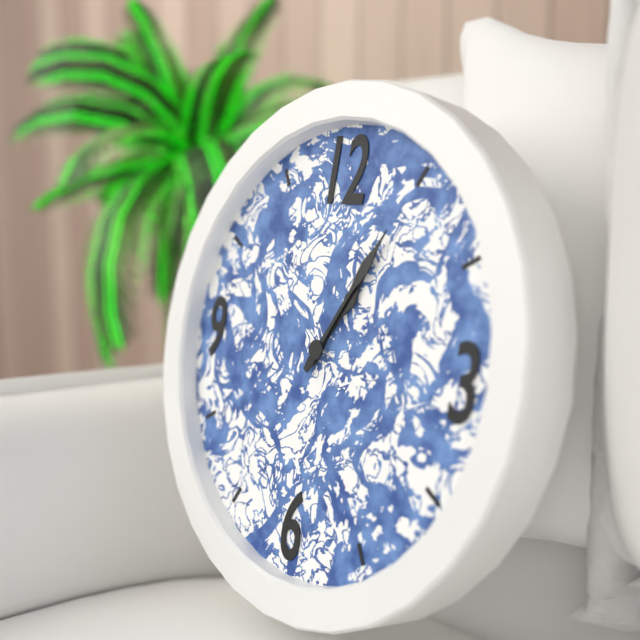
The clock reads 1h05
